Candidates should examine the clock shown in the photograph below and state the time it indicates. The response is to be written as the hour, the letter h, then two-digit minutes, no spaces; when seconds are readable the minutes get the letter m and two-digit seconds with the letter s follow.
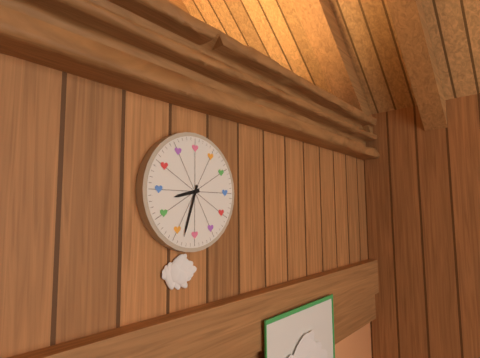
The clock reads 8h33
